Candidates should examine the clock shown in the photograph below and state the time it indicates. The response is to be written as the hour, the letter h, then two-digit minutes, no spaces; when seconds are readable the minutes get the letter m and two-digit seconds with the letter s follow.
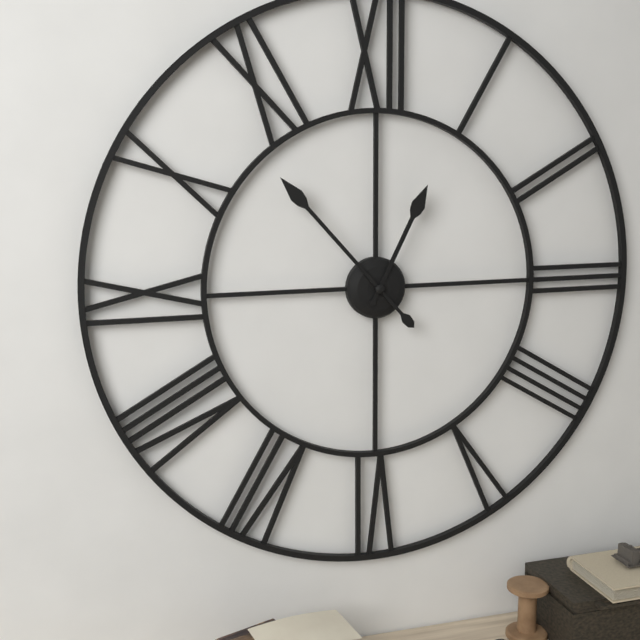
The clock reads 12h53
